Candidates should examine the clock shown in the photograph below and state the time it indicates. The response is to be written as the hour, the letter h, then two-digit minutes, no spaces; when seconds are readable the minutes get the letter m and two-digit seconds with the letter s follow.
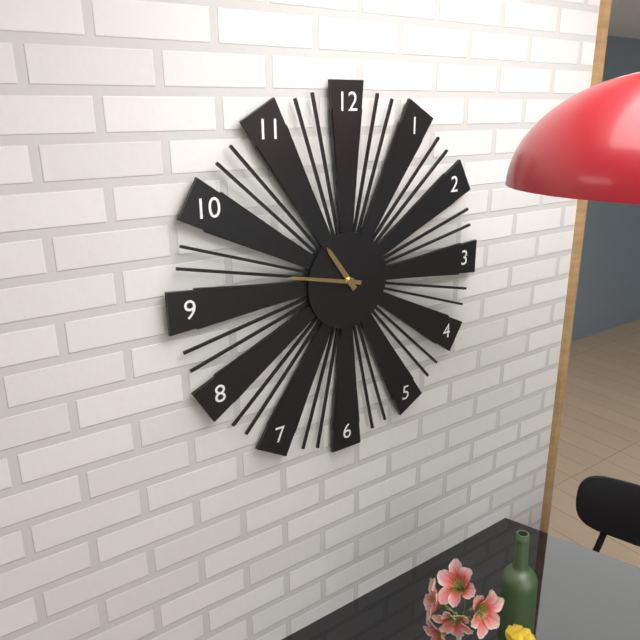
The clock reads 10h47
